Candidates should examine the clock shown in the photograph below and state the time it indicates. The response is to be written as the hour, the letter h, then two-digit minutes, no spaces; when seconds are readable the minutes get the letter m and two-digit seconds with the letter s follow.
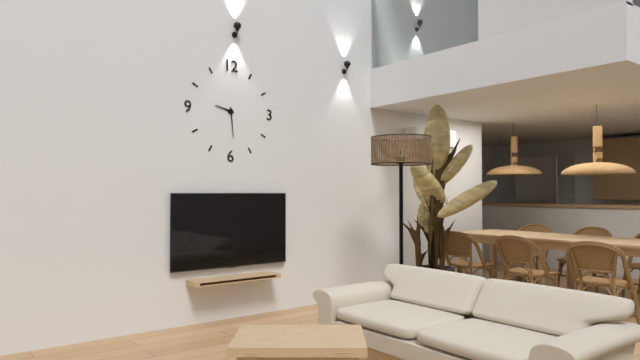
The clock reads 9h29
